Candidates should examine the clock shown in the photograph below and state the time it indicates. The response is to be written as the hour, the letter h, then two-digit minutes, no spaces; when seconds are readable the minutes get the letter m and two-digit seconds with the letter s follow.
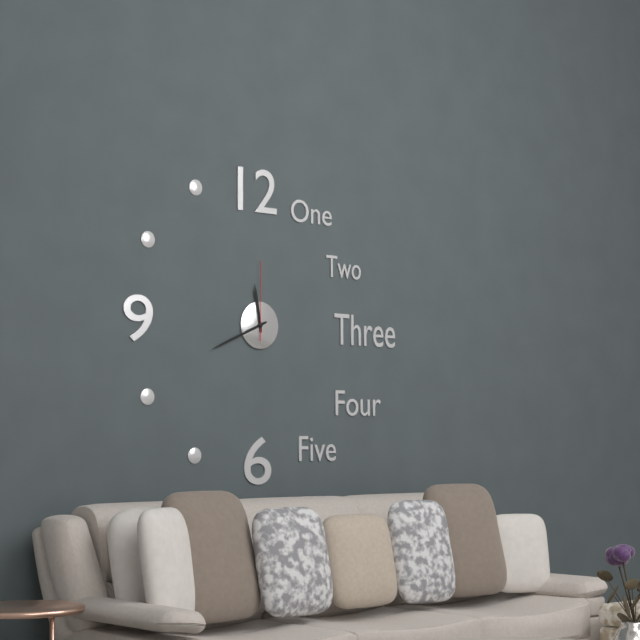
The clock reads 11h41m00s
